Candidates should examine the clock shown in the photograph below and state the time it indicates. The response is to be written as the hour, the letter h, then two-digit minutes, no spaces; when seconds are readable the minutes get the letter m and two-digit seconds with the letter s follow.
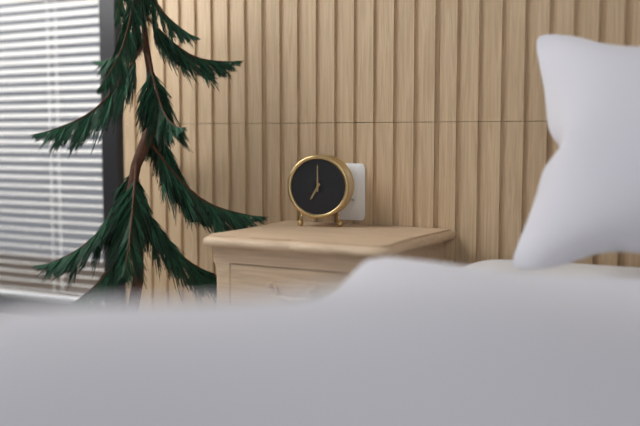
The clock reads 7h00
